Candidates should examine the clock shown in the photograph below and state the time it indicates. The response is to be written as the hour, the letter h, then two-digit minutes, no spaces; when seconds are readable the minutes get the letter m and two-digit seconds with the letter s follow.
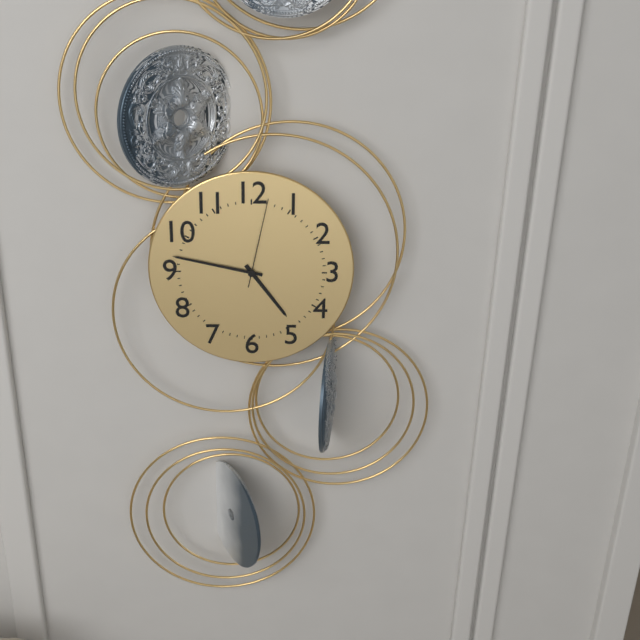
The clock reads 4h47m02s
